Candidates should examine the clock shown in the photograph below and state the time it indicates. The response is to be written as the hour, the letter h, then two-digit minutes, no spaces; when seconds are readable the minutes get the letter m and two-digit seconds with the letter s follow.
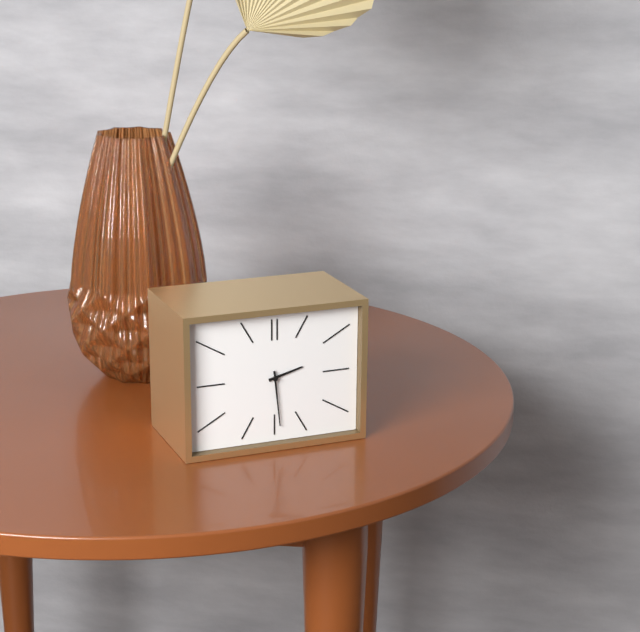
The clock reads 2h29
